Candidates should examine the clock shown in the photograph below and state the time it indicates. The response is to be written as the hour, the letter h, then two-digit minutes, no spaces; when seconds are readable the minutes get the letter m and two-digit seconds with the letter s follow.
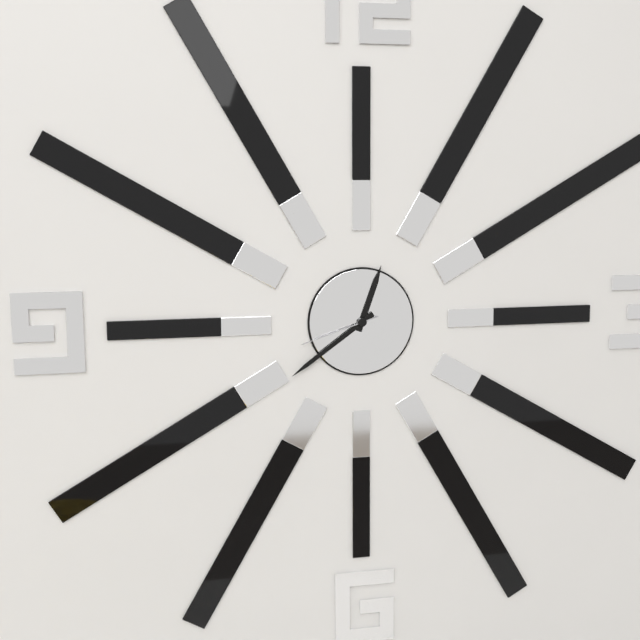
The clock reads 12h39m42s
